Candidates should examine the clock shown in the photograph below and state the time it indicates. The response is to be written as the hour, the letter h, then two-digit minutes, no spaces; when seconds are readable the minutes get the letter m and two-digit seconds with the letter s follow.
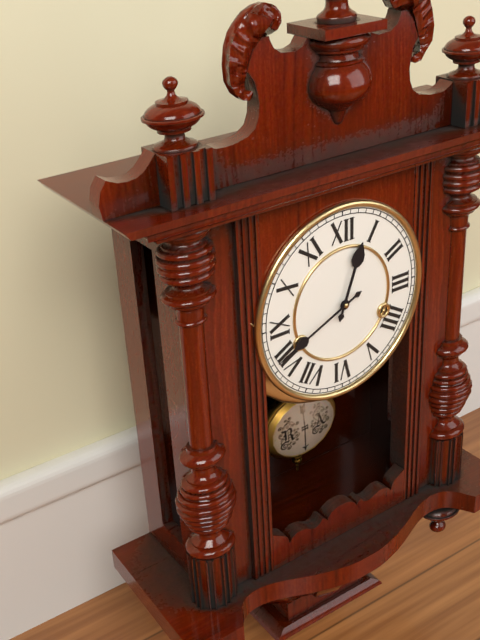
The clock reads 12h41
